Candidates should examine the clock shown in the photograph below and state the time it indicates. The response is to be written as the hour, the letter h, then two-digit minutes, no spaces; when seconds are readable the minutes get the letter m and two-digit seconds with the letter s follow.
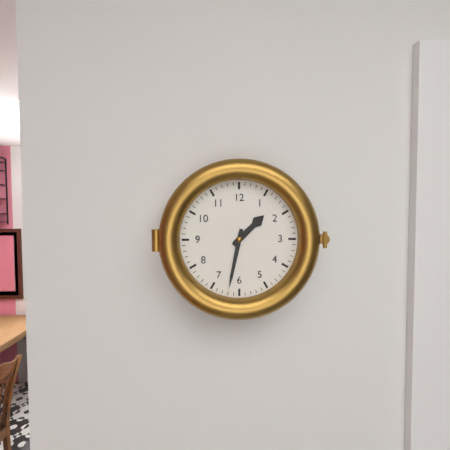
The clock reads 1h32
